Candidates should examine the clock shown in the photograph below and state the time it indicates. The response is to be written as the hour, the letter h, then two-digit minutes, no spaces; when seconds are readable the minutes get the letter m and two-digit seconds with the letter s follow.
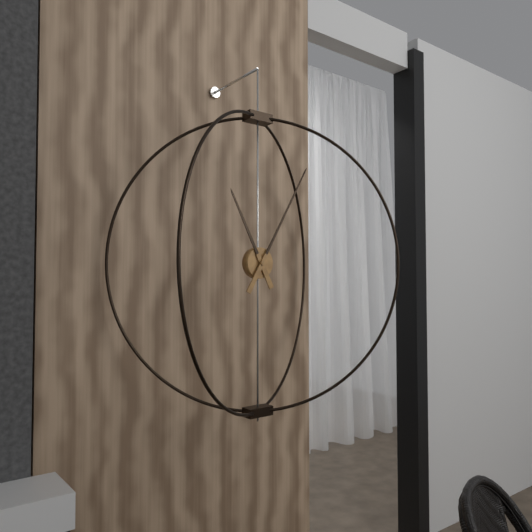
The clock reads 11h05
